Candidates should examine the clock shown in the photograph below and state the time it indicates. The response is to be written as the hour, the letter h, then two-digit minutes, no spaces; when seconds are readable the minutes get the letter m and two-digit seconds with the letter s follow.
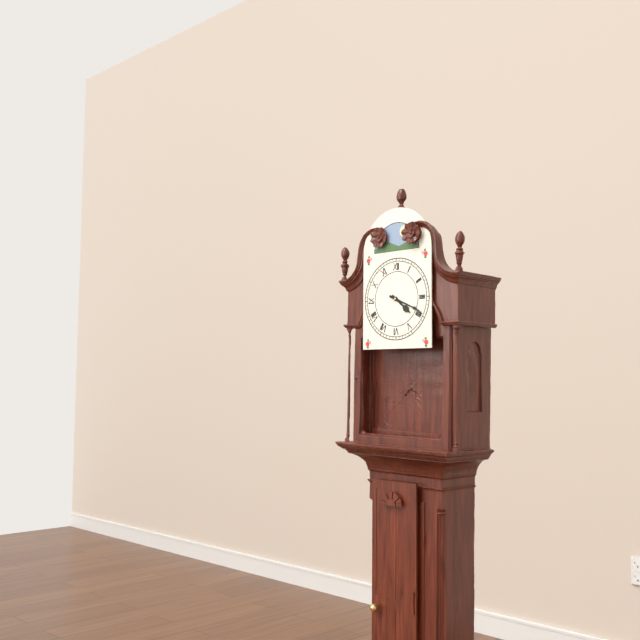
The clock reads 4h19
